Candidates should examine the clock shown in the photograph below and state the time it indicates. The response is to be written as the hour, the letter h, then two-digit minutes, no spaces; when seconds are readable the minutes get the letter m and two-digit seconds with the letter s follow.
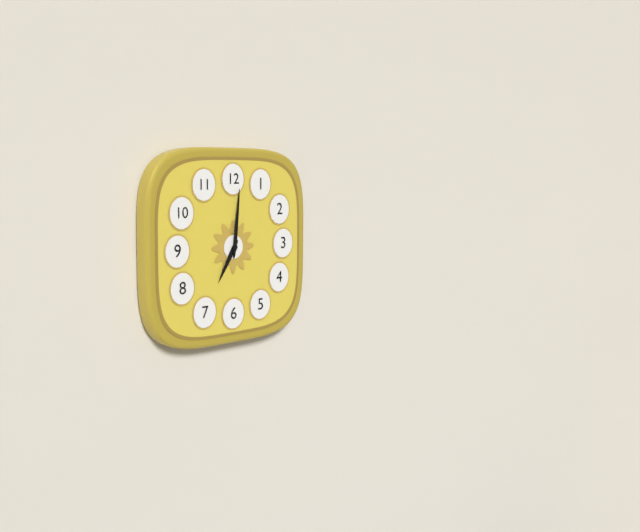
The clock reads 7h01
